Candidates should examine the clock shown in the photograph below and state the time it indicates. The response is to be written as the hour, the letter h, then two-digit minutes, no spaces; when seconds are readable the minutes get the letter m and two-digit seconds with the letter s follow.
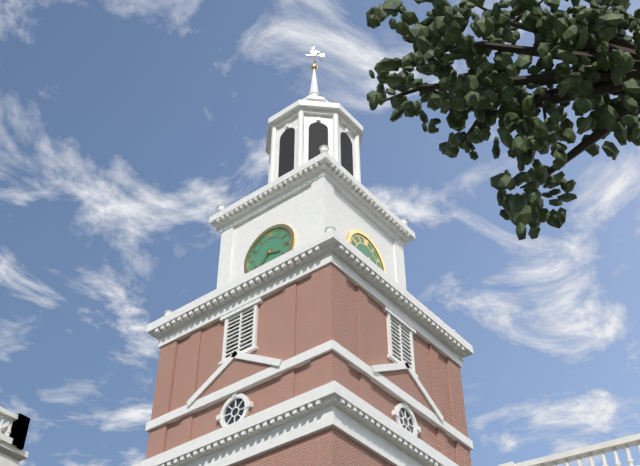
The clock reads 3h37
